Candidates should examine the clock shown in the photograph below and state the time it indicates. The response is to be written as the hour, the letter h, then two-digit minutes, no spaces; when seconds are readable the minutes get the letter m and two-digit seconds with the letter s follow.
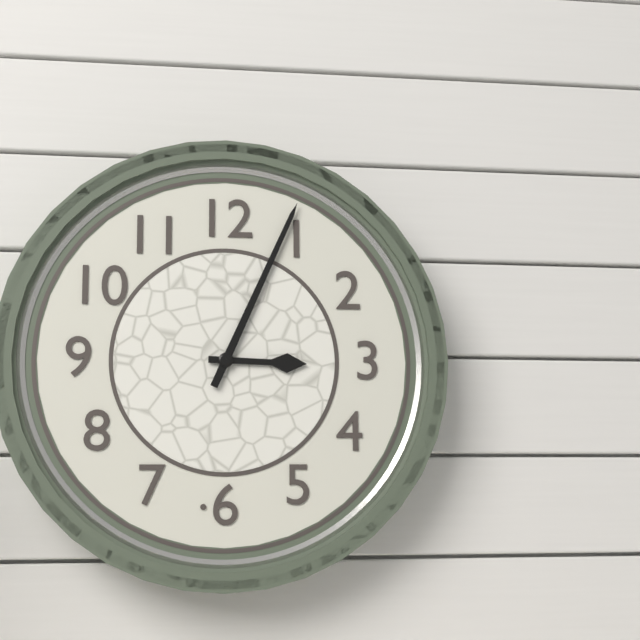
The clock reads 3h04
